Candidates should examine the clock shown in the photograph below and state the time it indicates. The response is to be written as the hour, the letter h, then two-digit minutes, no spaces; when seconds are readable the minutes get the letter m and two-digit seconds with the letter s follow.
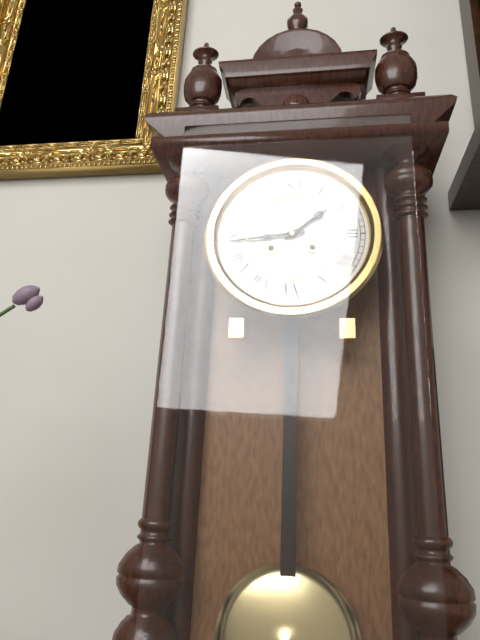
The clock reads 1h44
